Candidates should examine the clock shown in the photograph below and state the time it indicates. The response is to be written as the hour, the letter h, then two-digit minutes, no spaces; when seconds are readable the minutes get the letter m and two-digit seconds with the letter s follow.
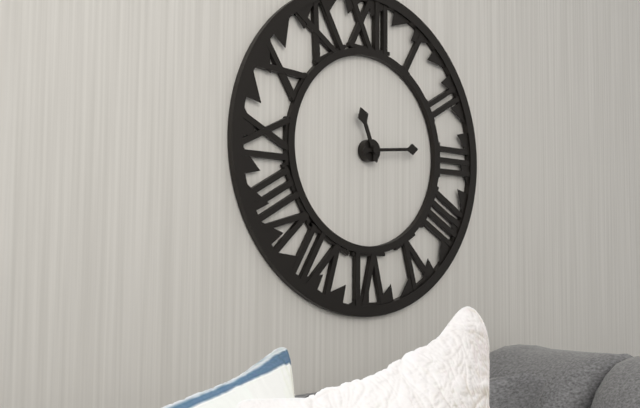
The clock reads 11h14
